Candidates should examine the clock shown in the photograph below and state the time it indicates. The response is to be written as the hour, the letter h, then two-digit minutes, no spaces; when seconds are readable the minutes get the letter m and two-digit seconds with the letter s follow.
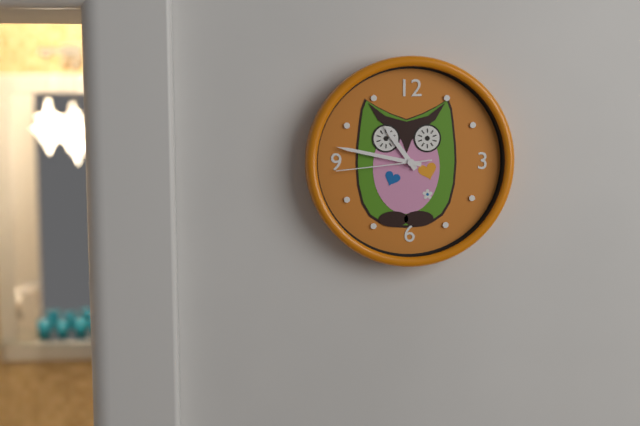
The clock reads 10h47m44s
